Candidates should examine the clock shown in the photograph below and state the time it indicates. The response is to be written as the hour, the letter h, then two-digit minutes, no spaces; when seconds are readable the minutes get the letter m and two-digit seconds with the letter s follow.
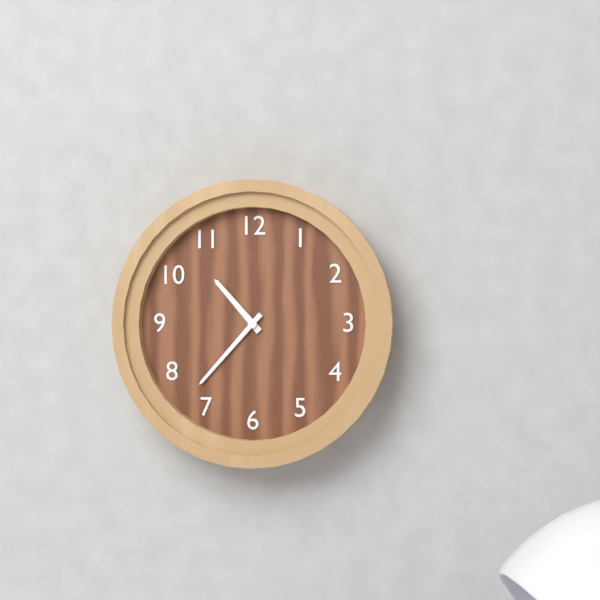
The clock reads 10h37
